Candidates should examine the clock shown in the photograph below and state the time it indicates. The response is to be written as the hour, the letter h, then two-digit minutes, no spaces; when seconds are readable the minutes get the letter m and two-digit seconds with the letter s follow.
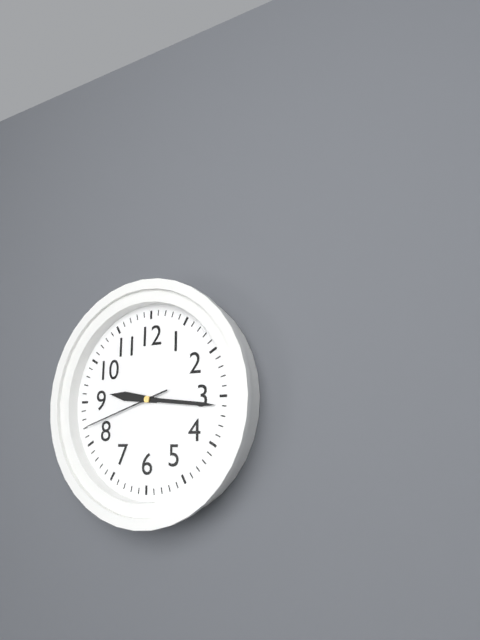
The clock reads 9h16m42s
